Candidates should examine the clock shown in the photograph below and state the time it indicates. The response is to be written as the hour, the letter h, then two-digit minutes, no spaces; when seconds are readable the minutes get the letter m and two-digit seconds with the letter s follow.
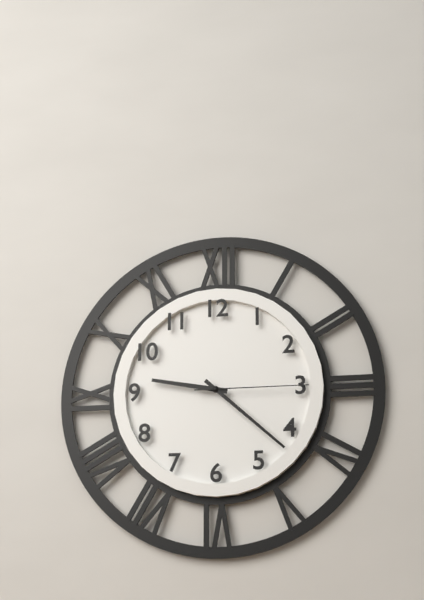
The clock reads 9h22m15s
